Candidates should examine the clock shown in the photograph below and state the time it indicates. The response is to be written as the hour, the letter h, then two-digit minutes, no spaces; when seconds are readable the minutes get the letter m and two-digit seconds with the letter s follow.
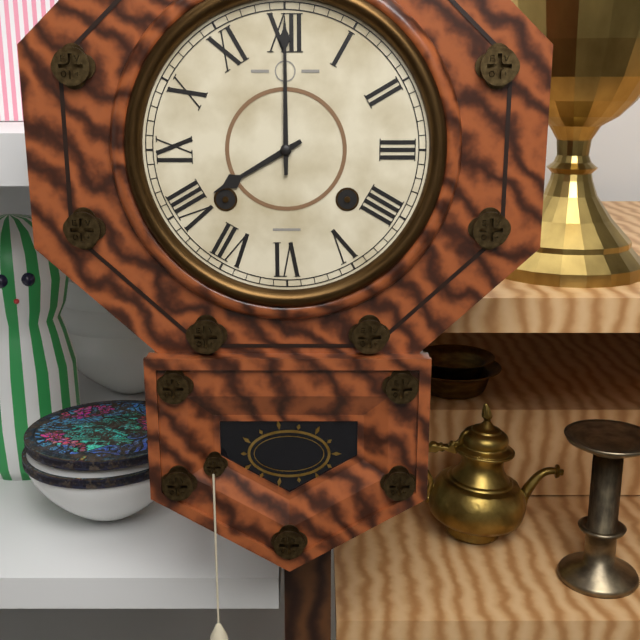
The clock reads 8h00
